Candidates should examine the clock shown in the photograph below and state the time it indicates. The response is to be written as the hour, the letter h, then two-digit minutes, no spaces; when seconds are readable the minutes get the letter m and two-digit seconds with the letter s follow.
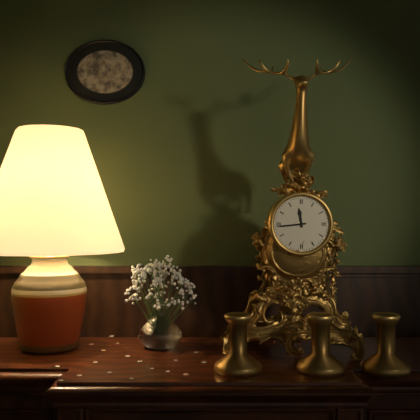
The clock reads 11h44
